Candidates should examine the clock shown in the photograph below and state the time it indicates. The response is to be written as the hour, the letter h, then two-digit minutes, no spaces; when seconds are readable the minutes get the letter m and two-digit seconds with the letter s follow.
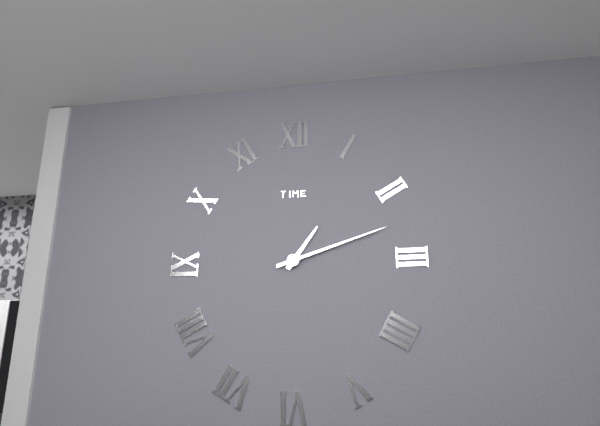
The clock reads 1h12
